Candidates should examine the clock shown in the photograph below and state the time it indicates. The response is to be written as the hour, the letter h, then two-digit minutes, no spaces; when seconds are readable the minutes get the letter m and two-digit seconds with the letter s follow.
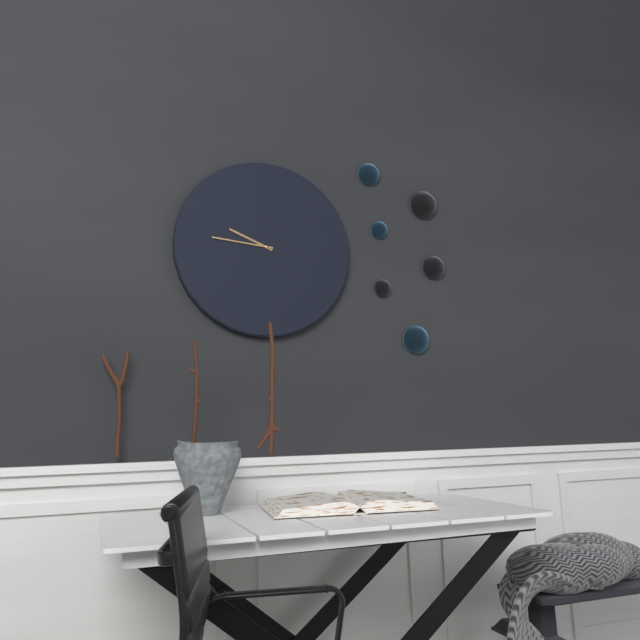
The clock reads 9h46
